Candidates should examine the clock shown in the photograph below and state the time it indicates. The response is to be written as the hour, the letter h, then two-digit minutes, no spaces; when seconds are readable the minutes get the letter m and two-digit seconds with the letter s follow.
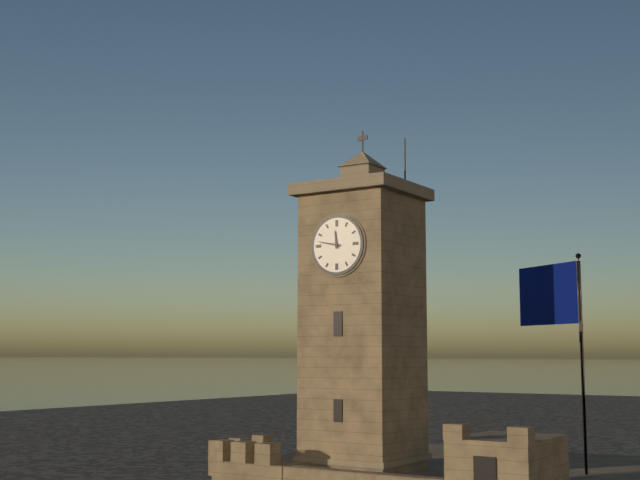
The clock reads 11h47
